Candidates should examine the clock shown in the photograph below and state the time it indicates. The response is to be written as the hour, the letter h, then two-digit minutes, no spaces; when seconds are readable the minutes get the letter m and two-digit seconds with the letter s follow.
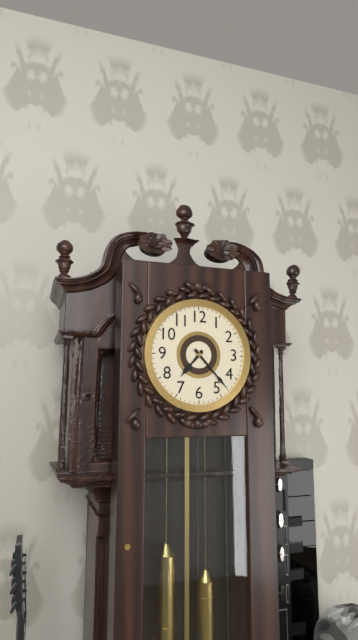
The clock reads 7h23
